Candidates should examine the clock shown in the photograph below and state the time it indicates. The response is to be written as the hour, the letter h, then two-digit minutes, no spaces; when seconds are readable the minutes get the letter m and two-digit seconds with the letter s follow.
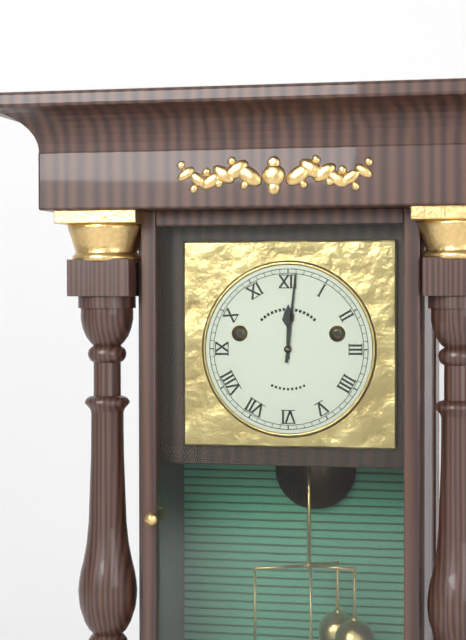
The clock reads 12h01
